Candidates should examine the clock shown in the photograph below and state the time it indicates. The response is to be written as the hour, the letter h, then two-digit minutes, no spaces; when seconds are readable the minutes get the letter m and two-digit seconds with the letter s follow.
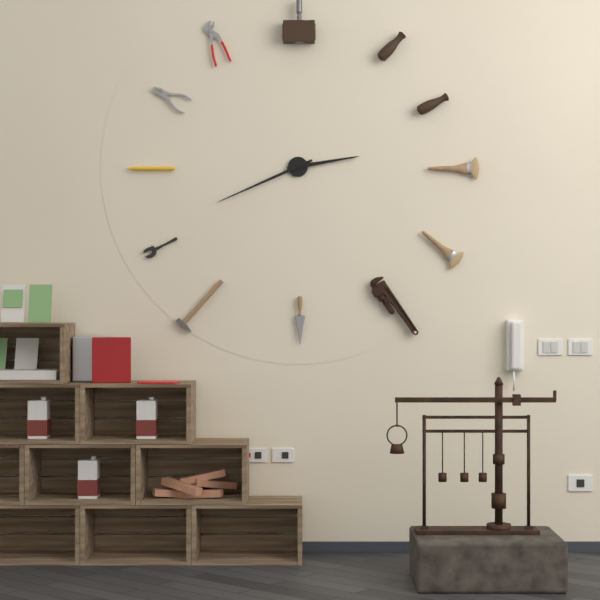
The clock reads 2h41
